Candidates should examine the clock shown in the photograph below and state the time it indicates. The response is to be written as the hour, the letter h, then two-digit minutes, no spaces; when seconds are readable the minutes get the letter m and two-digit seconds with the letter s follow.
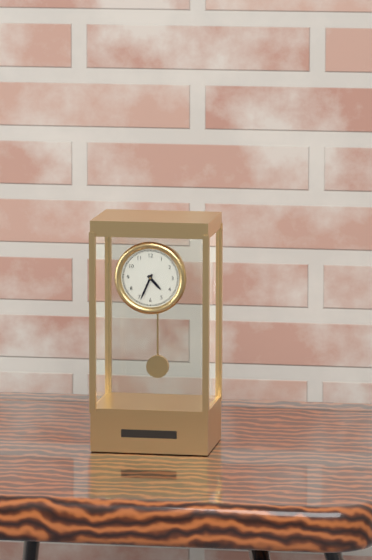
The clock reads 4h34
